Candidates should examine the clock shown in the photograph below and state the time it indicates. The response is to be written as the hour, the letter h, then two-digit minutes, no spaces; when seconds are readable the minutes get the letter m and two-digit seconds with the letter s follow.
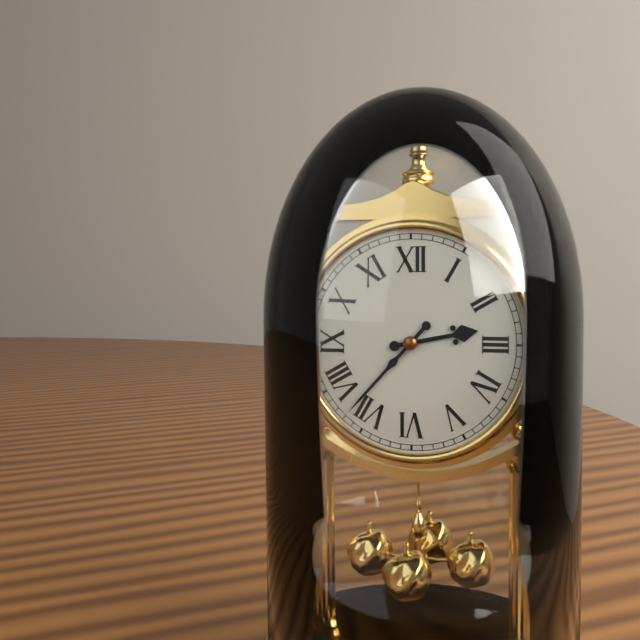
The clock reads 2h37
